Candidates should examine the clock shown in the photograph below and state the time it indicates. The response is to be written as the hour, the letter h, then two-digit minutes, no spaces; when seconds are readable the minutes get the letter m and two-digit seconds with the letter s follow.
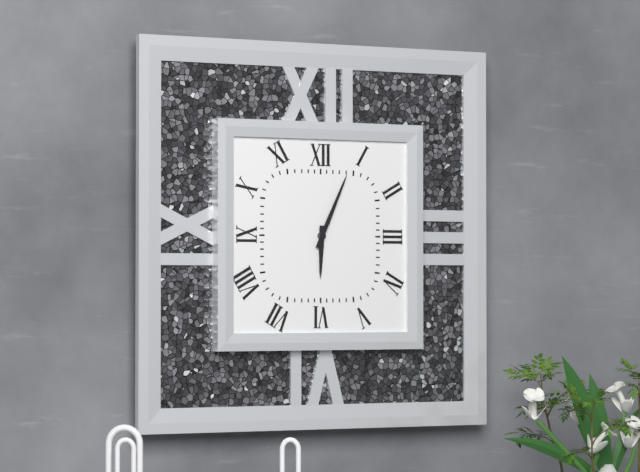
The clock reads 6h04
